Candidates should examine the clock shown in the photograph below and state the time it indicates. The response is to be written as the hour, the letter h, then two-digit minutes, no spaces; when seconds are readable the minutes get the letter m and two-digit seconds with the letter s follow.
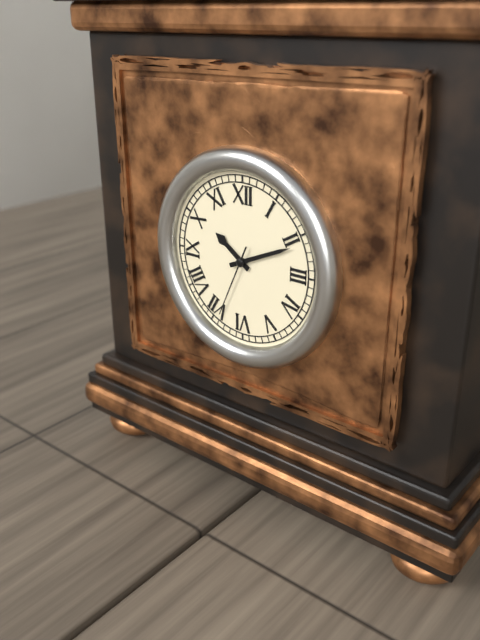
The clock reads 10h11m34s
